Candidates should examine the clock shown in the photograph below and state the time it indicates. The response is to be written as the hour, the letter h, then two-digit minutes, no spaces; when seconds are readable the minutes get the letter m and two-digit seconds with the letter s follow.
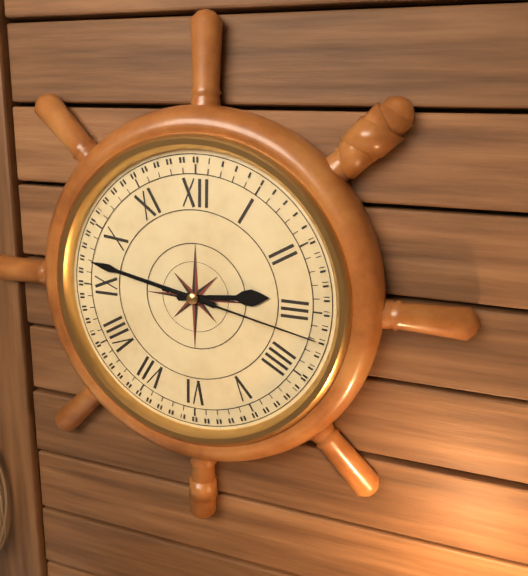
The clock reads 2h47m17s
